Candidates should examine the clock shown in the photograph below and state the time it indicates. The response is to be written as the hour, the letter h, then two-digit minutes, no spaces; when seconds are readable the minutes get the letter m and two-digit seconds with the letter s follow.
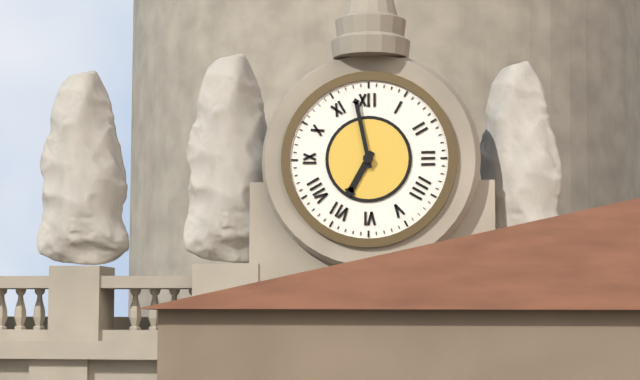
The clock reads 6h58
